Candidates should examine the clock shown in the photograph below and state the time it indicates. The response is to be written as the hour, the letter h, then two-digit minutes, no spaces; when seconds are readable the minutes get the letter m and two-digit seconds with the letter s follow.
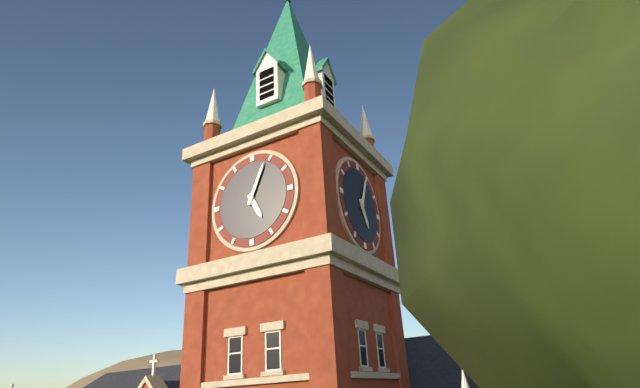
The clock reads 5h04
